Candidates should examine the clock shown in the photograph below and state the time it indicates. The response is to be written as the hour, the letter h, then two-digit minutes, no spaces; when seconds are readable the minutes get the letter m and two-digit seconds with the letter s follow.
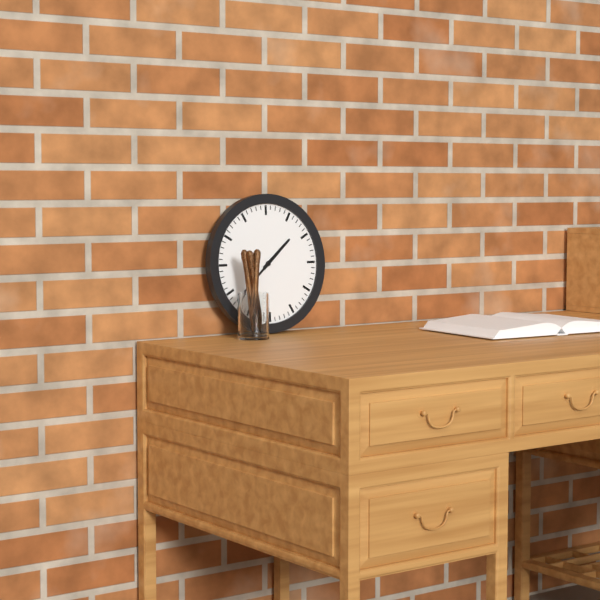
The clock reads 1h38
